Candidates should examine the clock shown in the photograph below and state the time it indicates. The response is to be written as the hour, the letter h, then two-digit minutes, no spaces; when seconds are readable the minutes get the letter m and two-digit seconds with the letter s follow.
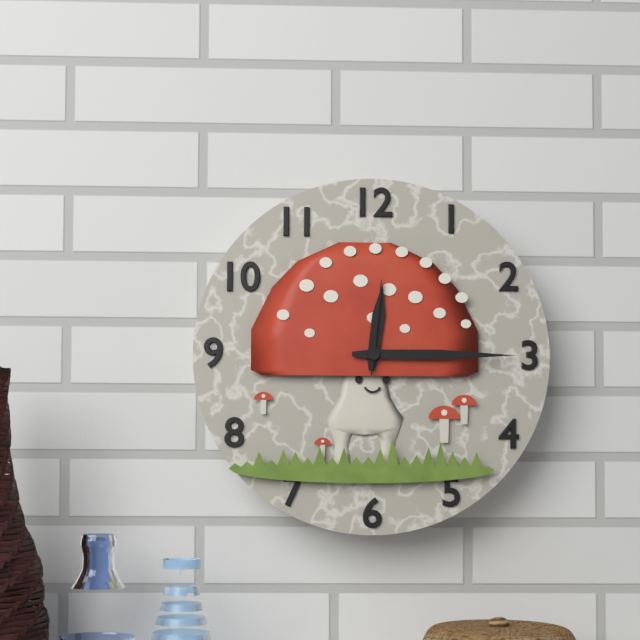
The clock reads 12h15m01s
